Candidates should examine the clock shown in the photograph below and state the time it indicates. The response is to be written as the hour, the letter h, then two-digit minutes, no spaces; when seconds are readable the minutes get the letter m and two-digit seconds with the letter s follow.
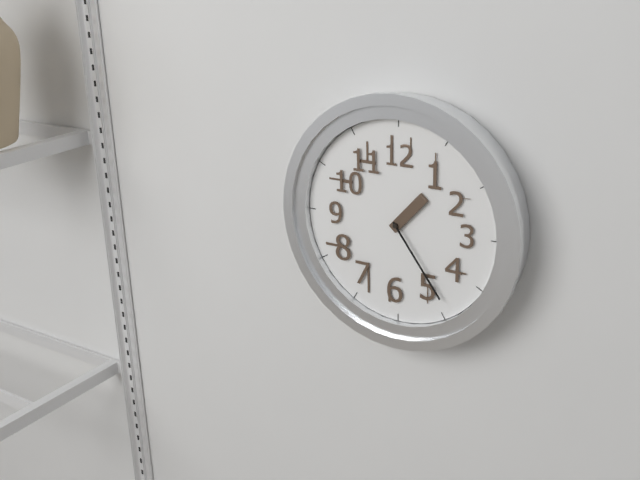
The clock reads 1h24
